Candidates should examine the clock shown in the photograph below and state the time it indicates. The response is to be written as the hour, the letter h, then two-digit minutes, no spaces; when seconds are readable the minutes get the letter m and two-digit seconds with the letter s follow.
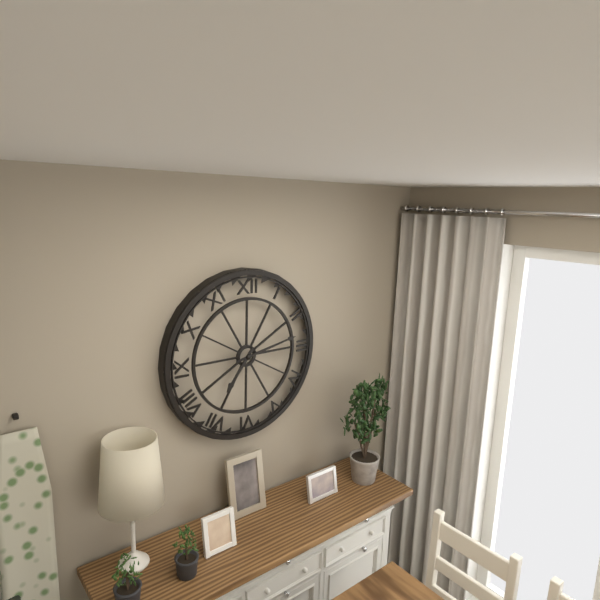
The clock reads 7h13
